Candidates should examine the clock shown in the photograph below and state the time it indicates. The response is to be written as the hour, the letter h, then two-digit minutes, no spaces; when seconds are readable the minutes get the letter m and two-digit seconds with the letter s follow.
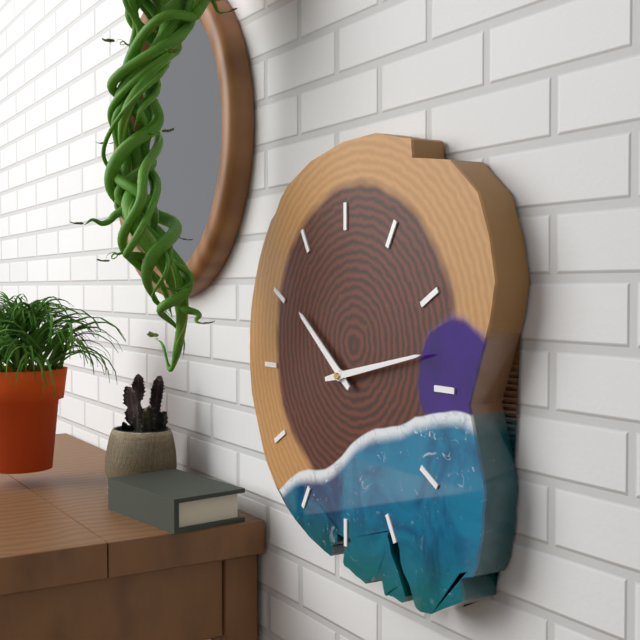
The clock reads 10h13
